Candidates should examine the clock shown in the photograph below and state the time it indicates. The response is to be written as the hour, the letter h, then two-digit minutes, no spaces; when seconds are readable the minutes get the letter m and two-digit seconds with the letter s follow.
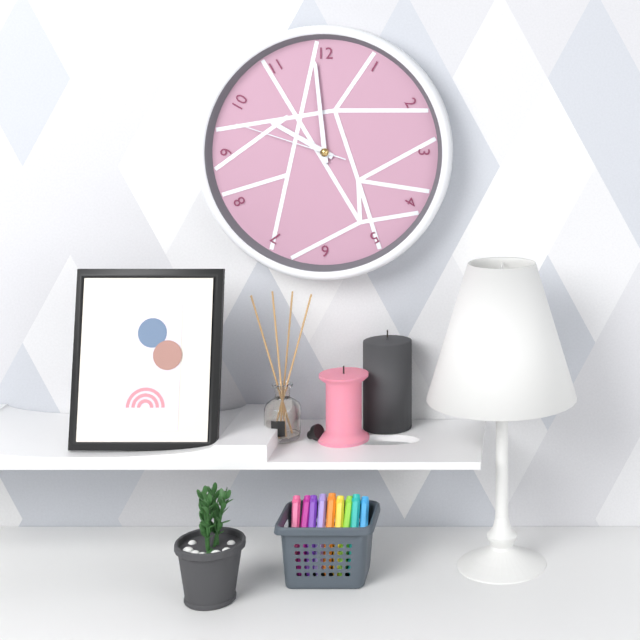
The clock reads 9h59m48s
